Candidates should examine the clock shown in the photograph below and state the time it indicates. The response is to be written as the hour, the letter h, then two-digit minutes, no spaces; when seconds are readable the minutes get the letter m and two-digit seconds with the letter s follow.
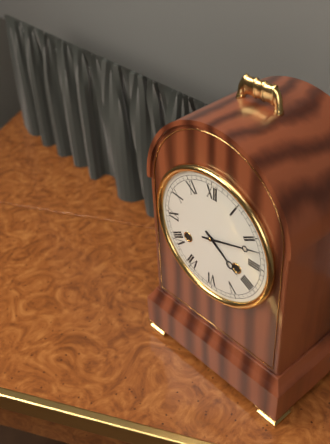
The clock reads 4h12
